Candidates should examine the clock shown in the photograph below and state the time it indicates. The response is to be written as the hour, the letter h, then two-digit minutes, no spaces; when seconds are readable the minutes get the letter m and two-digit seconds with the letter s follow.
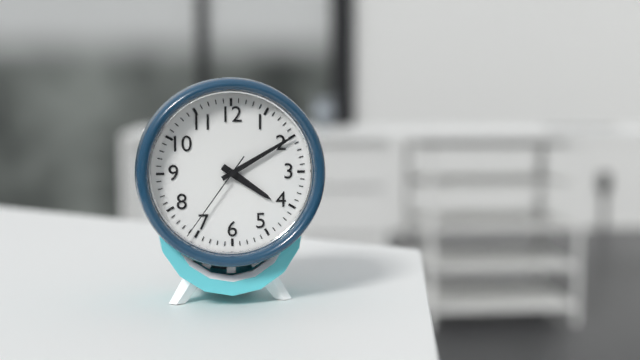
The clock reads 4h10m36s
